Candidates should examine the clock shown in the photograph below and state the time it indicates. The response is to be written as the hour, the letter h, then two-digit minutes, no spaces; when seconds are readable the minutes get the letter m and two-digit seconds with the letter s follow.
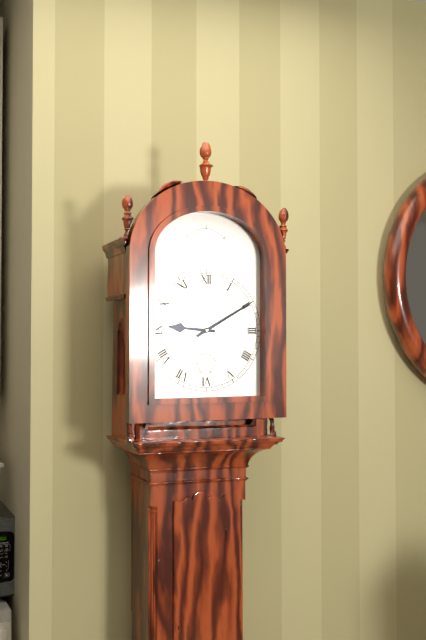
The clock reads 9h10
